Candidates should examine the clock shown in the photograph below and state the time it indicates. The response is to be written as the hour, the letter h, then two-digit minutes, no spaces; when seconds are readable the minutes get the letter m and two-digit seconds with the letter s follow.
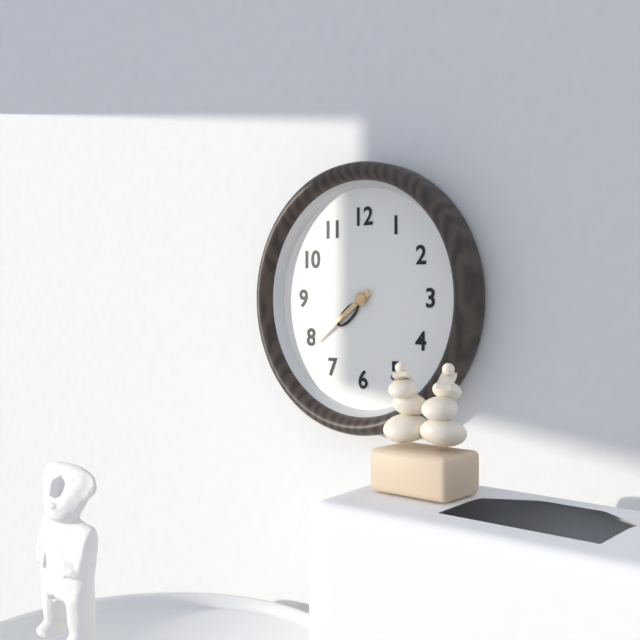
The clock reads 7h39
